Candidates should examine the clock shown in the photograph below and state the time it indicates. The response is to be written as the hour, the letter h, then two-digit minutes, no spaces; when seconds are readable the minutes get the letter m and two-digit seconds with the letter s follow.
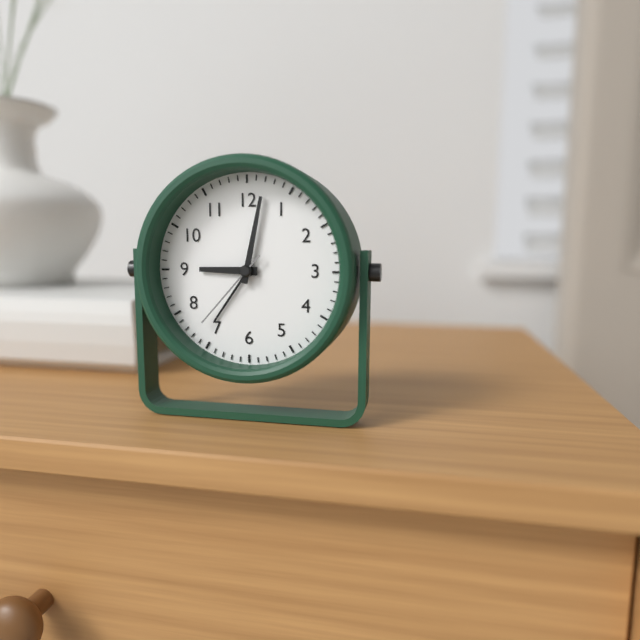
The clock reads 9h02m37s
